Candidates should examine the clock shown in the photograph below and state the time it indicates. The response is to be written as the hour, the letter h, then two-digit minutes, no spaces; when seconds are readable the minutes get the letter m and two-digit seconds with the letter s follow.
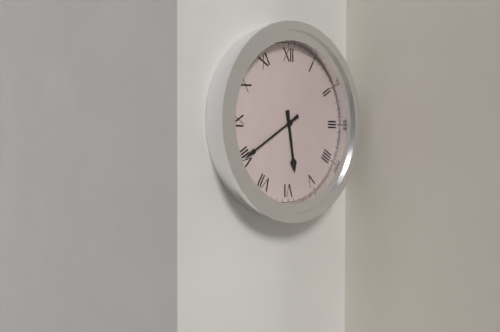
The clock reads 5h40
